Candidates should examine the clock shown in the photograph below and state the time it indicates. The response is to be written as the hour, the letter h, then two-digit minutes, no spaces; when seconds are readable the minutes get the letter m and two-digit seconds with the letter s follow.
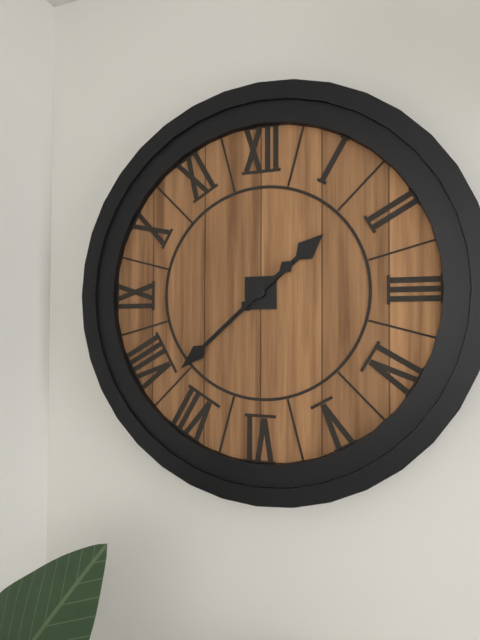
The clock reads 1h38
